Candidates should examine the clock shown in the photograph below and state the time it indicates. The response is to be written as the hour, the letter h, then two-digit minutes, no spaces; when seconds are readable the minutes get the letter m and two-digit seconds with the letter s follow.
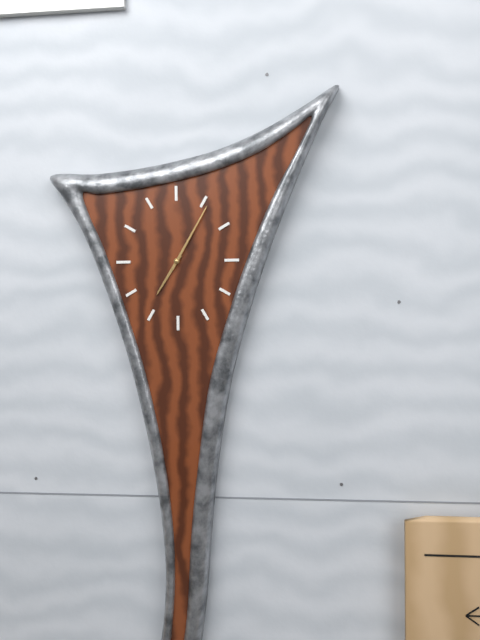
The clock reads 7h05
